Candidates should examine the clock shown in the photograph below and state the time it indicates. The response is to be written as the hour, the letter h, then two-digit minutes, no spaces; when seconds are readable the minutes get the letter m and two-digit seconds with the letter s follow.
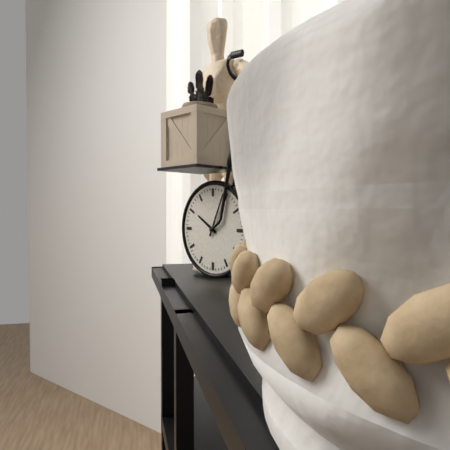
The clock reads 10h04
